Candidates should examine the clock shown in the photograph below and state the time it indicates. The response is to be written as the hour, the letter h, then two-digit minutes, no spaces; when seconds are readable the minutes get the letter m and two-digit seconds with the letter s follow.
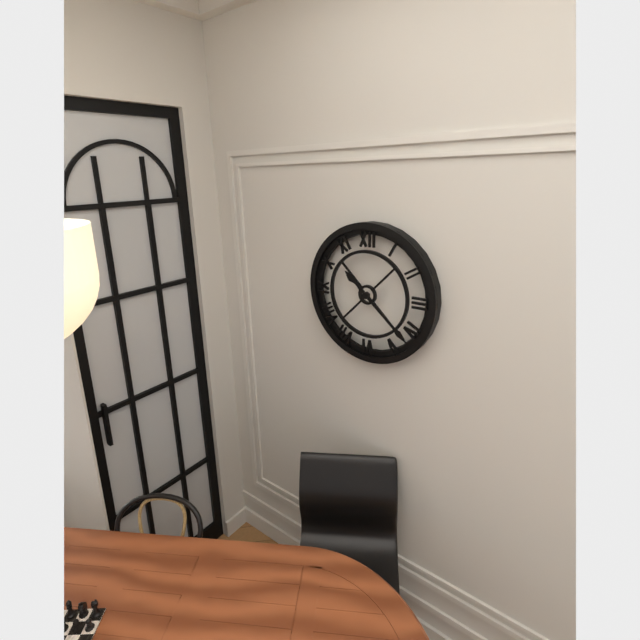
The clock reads 10h22
